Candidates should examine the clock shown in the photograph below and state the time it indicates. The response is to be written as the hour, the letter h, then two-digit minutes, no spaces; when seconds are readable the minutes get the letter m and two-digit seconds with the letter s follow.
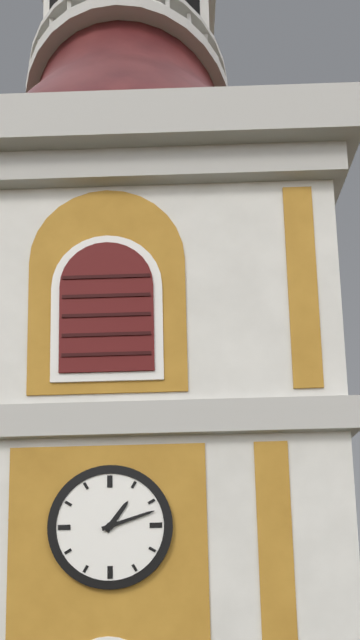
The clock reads 1h12
